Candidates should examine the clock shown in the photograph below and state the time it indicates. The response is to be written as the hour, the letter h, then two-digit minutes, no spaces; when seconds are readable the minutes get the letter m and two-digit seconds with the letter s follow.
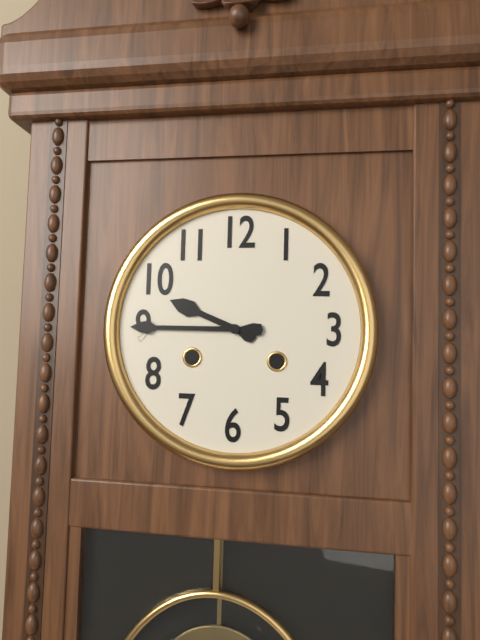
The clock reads 9h45
